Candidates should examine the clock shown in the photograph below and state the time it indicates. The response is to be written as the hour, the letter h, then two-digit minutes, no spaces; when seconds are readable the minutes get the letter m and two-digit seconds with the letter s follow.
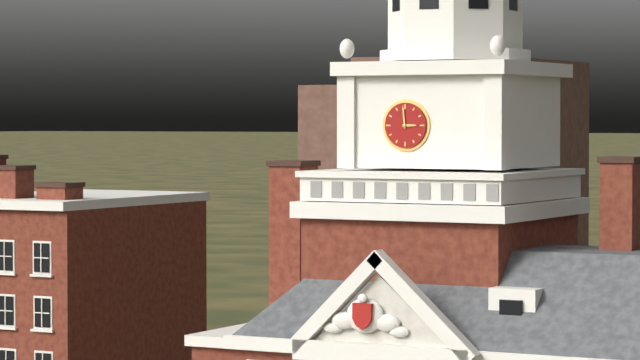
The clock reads 2h59
